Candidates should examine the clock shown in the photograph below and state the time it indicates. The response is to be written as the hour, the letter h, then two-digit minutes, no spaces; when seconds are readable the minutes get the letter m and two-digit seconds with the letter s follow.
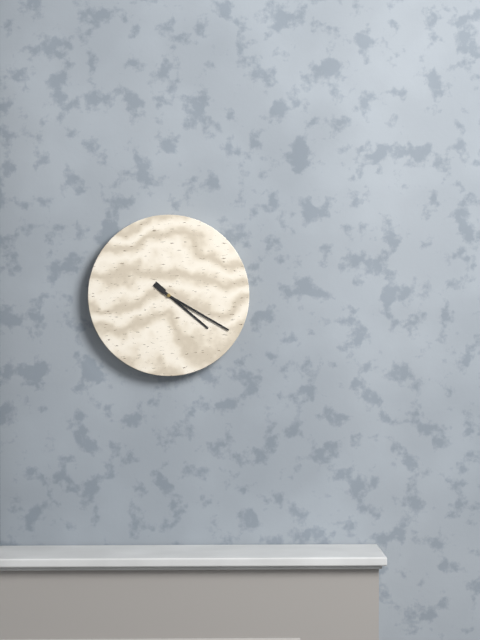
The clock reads 4h20
